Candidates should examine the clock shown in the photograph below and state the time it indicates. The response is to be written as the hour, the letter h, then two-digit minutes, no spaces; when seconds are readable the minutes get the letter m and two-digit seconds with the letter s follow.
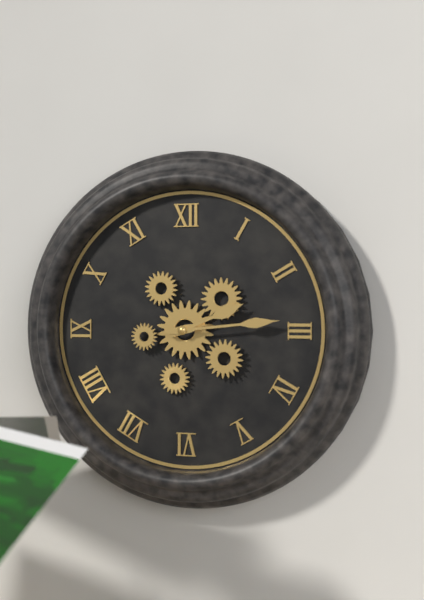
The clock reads 2h14
